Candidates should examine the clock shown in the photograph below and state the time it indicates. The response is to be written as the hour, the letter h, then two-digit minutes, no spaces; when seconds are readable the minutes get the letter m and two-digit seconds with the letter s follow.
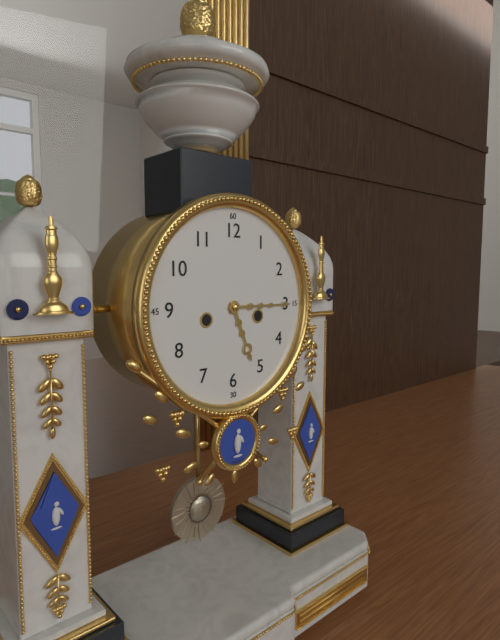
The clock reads 5h15
